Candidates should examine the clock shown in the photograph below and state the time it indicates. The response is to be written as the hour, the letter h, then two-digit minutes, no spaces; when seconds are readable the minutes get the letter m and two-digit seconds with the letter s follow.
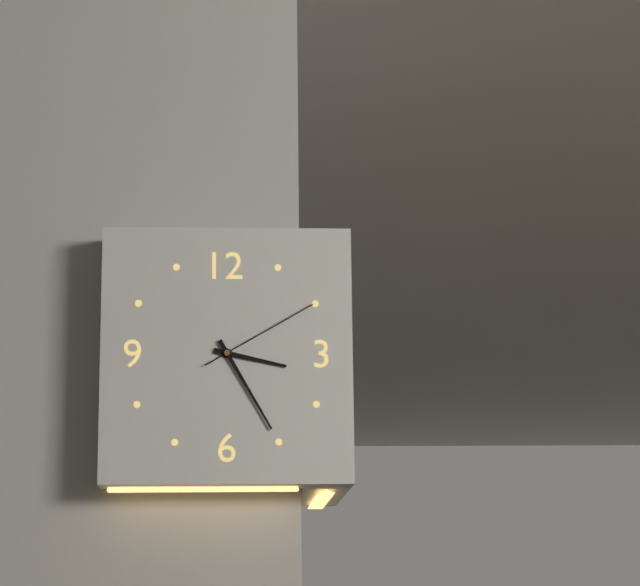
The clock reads 3h25m10s
